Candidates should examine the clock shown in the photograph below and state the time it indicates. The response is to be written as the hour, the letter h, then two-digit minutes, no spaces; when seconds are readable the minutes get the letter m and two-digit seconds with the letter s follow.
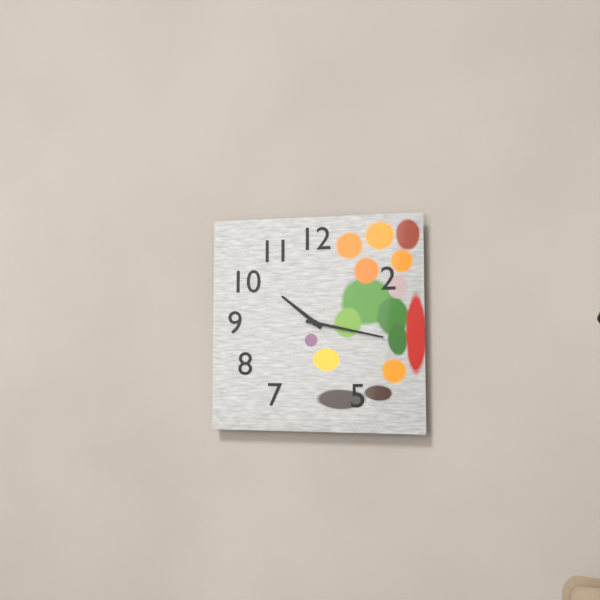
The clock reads 10h17
